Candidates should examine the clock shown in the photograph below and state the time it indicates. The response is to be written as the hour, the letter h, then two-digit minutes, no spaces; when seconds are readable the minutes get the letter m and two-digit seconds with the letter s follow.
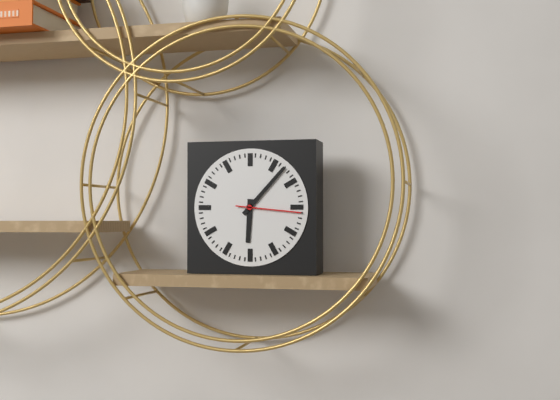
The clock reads 6h07m16s
